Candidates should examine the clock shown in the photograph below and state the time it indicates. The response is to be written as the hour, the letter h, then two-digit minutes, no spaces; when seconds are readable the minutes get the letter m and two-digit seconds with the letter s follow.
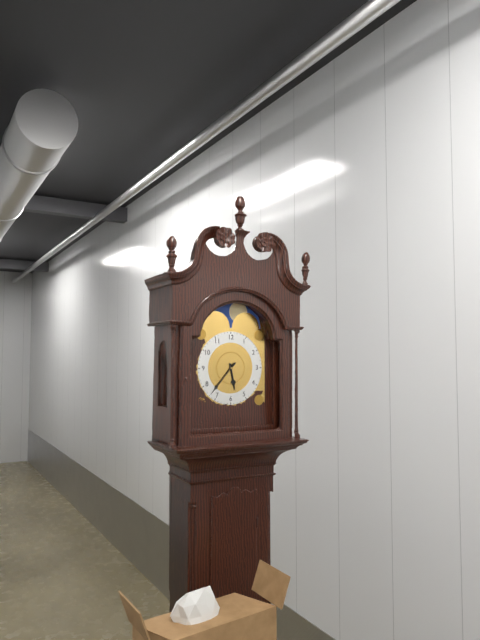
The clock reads 5h37
